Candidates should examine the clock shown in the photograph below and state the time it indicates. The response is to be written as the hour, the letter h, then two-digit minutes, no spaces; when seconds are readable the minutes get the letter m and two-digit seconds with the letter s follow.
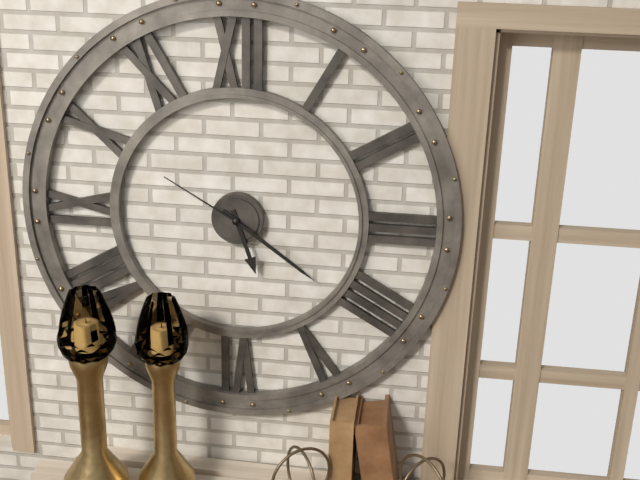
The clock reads 5h21m50s
